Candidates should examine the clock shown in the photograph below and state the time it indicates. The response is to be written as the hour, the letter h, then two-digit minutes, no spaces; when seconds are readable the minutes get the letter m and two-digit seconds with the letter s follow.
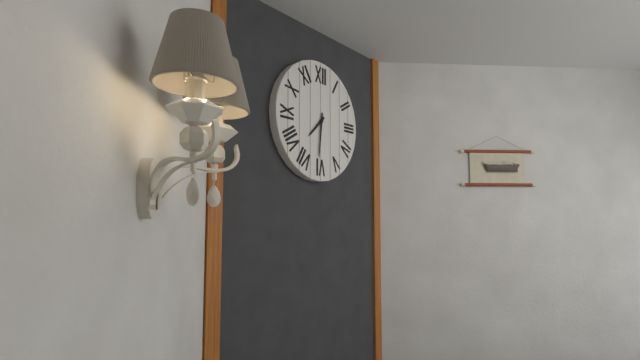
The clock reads 7h31
